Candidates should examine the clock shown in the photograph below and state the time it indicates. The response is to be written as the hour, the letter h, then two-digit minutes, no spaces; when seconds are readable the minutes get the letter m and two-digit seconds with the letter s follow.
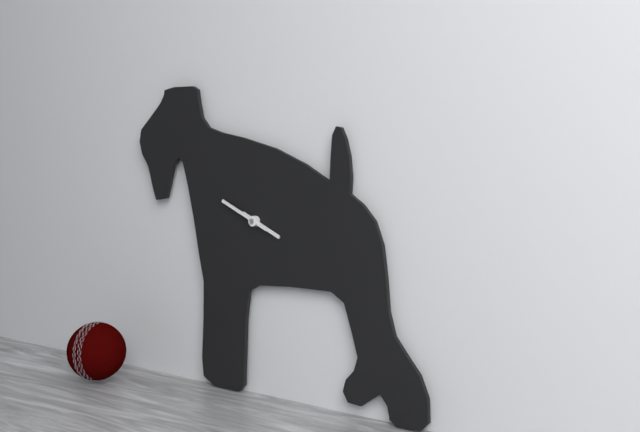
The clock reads 3h49
